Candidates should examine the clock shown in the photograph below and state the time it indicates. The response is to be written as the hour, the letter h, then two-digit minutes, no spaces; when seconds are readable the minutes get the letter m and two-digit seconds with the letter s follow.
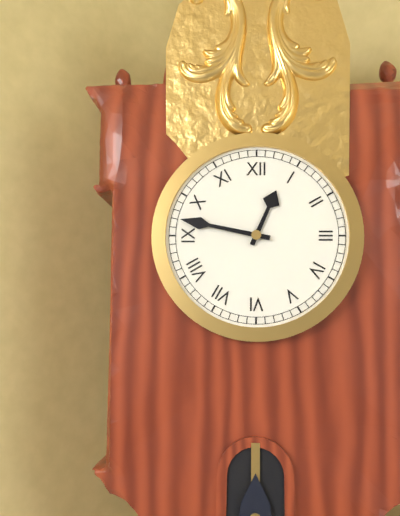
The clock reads 12h47
